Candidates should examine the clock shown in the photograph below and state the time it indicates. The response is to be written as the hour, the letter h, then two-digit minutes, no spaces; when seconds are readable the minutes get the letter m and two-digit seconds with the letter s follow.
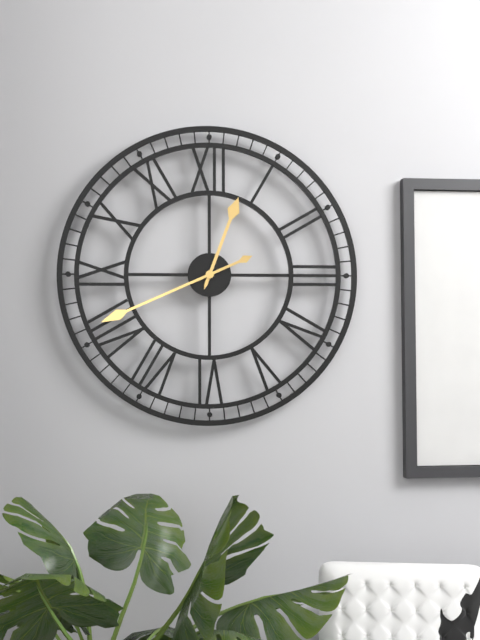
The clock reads 12h41
